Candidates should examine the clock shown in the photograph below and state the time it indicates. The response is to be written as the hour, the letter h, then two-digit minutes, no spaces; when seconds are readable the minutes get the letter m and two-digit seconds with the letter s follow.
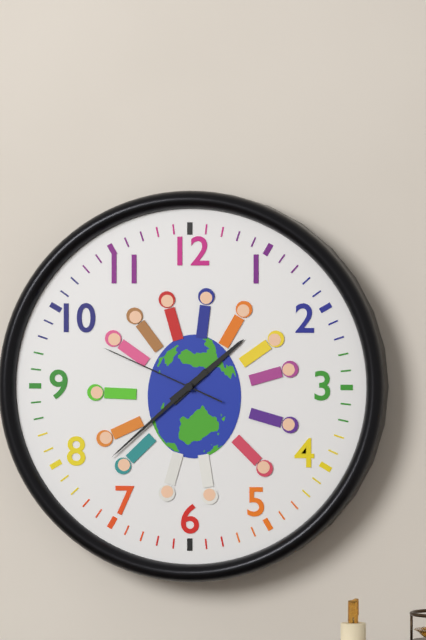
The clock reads 1h38m49s
